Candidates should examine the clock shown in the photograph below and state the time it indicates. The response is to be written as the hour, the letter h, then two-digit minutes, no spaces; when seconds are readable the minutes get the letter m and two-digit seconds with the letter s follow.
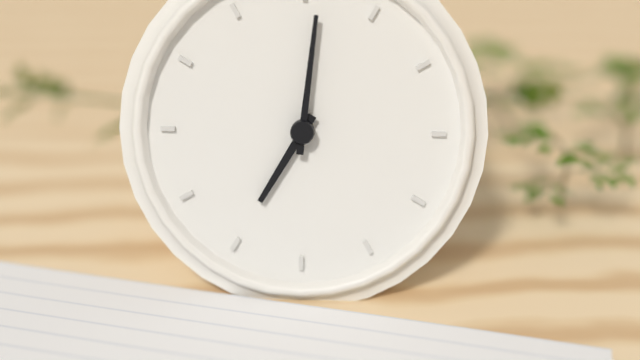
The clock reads 7h01
